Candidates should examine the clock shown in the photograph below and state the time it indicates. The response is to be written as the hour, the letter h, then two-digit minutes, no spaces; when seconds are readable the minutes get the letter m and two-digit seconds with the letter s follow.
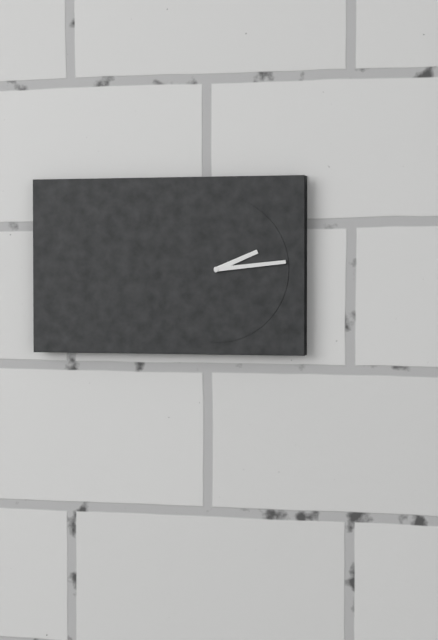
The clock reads 2h14
